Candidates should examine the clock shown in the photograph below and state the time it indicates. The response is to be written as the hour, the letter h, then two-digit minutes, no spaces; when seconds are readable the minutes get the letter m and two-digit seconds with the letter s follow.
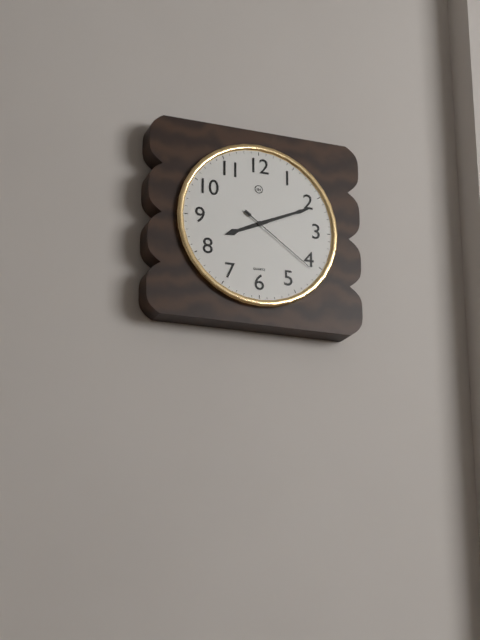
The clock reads 8h11m21s
